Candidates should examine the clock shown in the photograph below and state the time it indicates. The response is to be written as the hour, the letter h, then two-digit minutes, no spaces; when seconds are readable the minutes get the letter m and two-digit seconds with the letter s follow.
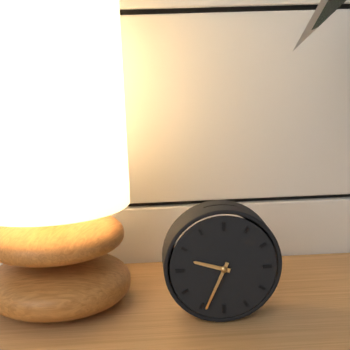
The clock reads 9h34
